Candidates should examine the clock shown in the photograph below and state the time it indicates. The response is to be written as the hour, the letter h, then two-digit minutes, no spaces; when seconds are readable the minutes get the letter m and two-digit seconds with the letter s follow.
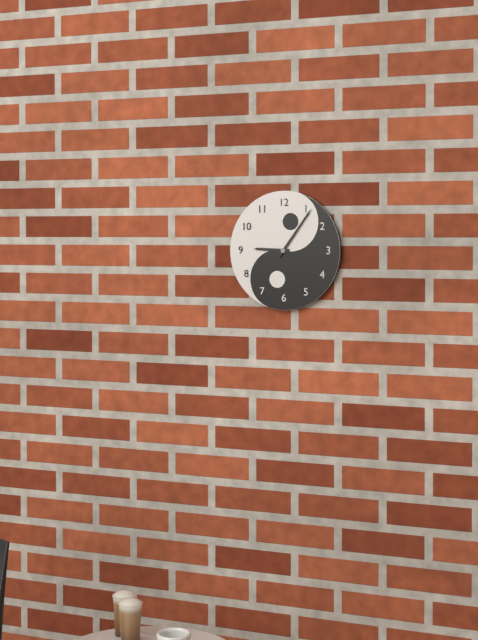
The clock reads 9h06
